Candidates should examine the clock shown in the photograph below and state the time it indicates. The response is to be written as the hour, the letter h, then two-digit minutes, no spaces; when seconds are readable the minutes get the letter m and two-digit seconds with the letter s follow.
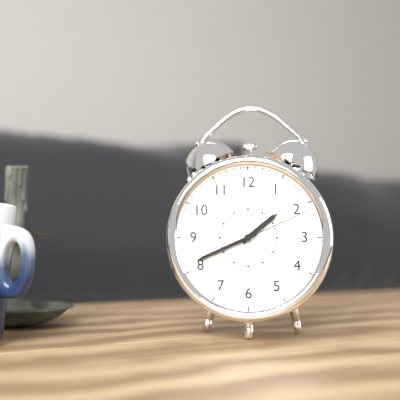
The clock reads 1h41m11s
